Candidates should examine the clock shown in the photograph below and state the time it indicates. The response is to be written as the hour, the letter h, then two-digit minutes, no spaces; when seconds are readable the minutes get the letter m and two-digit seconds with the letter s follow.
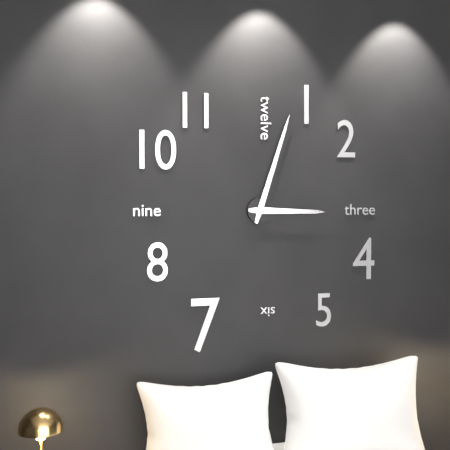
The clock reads 3h03
